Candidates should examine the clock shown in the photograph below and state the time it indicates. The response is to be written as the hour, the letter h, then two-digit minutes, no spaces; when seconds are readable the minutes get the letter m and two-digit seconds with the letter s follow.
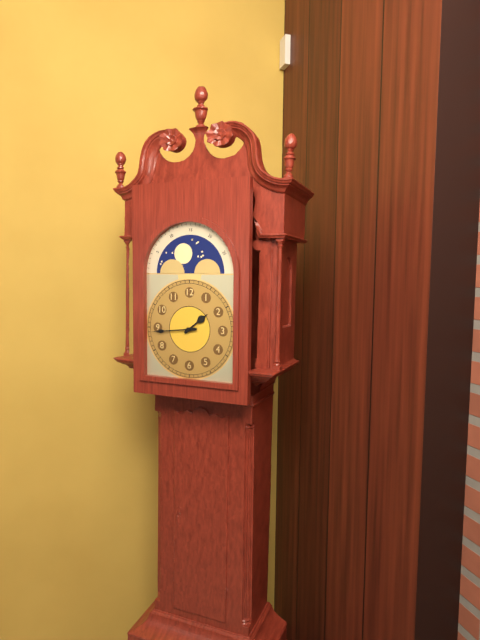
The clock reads 1h44
